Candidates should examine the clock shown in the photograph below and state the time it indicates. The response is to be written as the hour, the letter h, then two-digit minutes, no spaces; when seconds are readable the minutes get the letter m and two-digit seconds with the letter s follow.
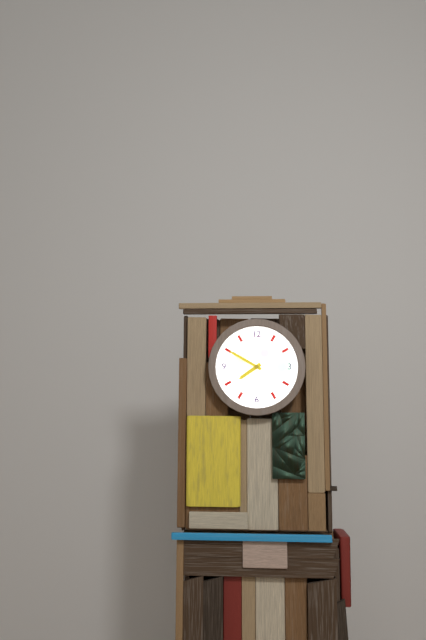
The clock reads 7h50
